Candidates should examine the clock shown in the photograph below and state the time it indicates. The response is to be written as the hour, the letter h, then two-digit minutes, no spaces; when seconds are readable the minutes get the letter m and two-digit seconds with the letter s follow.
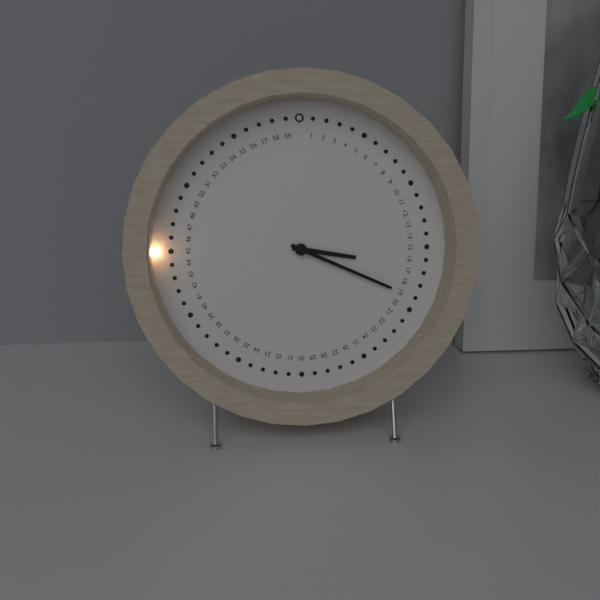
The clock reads 3h19
